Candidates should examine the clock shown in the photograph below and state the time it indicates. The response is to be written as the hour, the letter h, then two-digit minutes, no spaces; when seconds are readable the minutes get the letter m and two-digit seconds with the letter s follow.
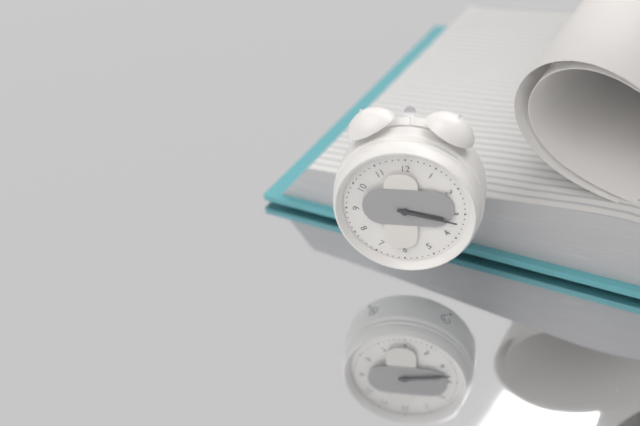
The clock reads 3h17
